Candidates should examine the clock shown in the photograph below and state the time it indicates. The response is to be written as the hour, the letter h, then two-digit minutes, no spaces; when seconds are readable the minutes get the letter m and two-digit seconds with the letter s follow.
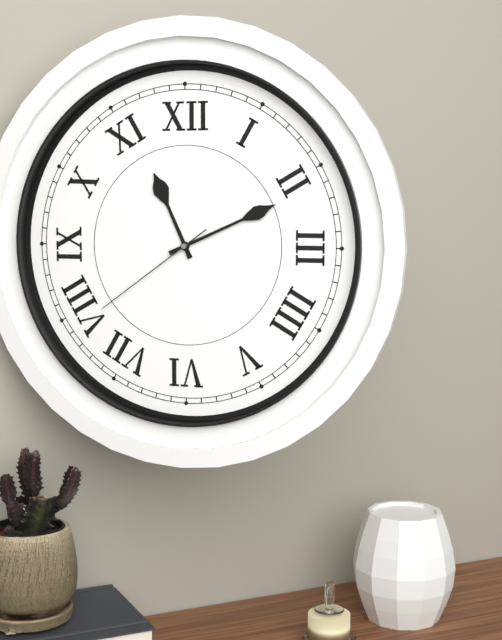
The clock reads 11h11m39s
